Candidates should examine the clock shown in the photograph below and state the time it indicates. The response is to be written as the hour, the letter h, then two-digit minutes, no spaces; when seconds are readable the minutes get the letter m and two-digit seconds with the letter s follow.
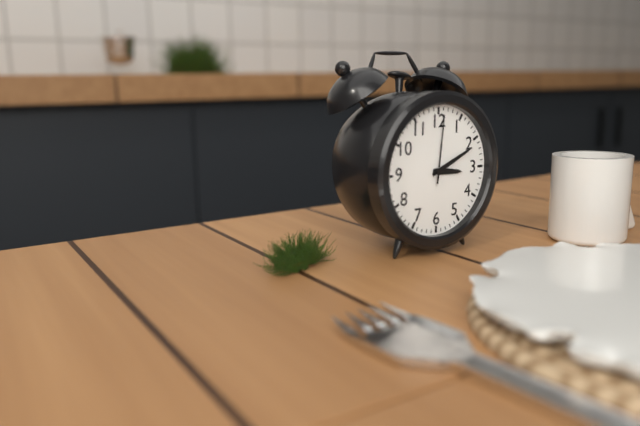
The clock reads 3h11m01s
